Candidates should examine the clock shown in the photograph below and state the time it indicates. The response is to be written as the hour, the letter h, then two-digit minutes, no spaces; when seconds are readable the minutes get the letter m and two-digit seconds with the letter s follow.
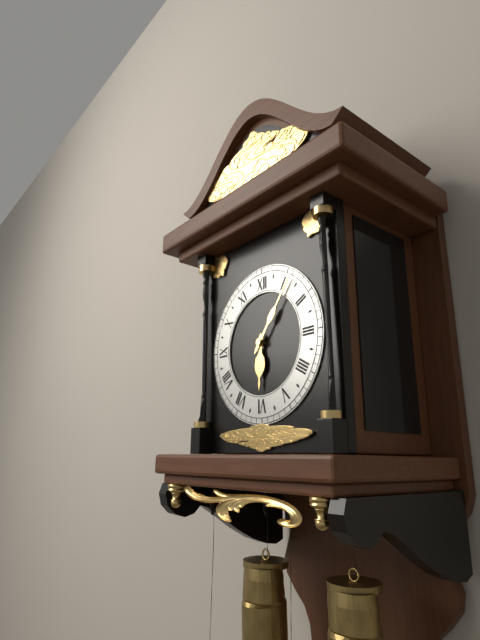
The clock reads 6h06
